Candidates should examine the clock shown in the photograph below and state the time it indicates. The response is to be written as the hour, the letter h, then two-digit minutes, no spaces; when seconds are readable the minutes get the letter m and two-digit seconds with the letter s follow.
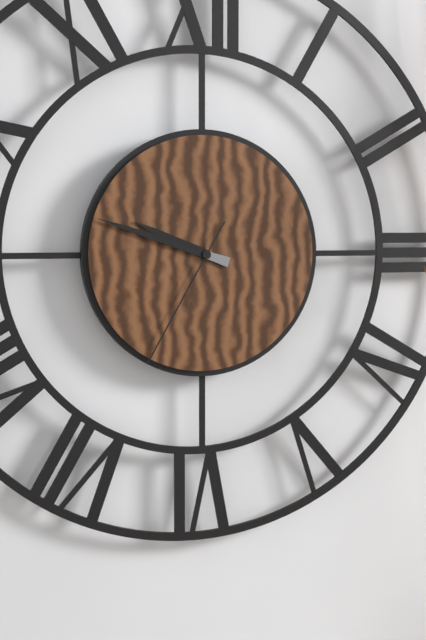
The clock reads 9h48m35s
